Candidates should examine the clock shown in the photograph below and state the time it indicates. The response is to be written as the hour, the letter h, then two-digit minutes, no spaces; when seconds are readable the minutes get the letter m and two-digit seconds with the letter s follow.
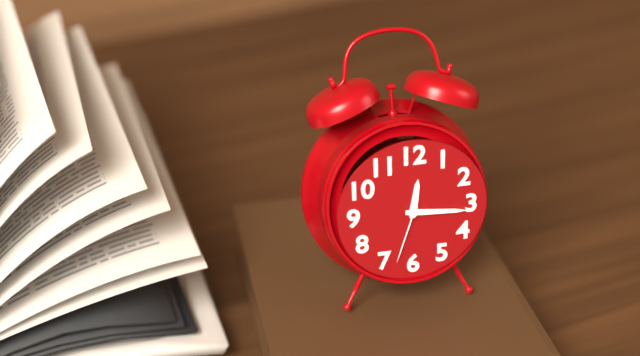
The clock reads 12h16m33s
